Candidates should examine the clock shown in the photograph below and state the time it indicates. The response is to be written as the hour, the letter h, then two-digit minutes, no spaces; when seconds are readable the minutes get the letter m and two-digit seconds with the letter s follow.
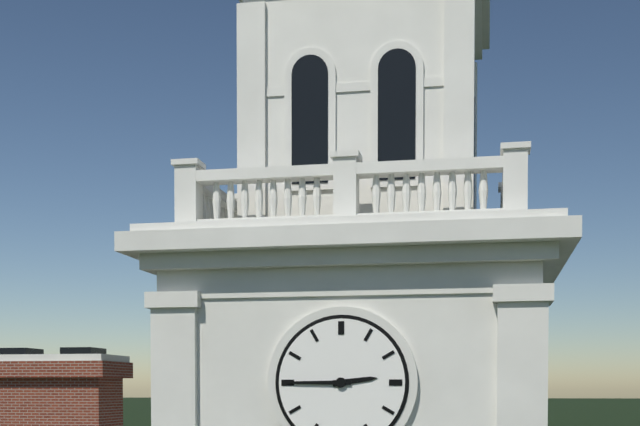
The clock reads 2h45
